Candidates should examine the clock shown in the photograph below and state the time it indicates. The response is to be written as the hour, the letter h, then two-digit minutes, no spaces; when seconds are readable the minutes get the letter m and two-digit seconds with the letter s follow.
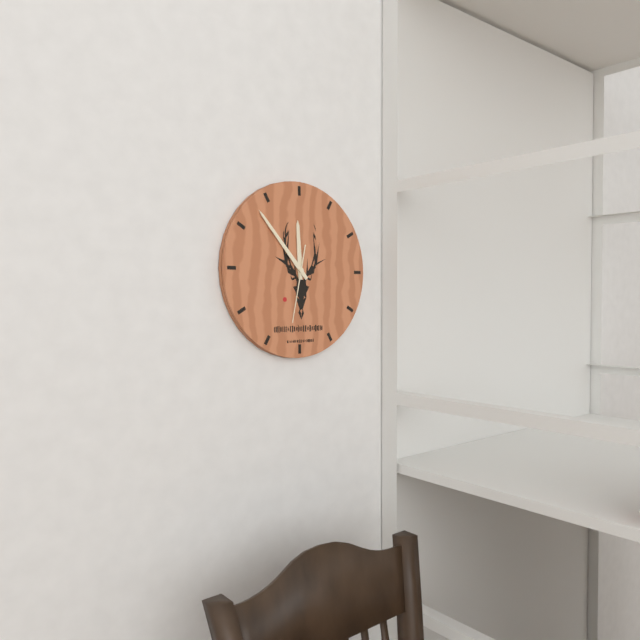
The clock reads 11h53m32s
